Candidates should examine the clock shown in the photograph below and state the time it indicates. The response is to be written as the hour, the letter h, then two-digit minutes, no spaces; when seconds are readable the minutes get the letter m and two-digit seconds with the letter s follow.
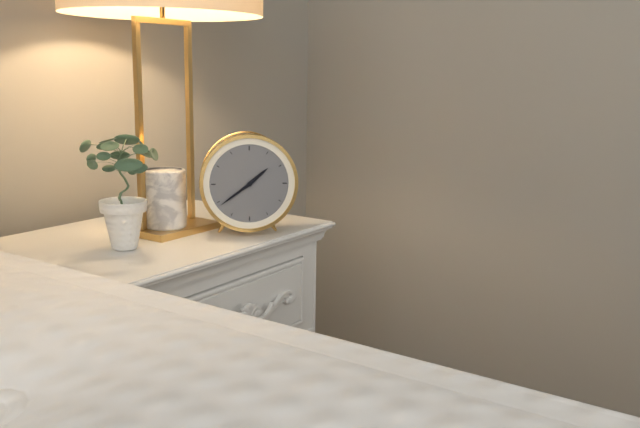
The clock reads 1h39
